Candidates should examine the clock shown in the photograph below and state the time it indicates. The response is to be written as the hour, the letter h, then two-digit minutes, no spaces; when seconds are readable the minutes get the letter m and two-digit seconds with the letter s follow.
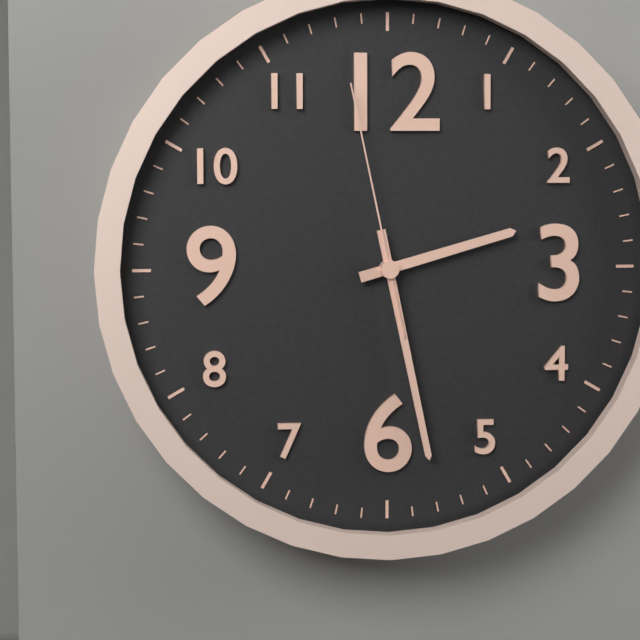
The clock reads 2h28m58s
